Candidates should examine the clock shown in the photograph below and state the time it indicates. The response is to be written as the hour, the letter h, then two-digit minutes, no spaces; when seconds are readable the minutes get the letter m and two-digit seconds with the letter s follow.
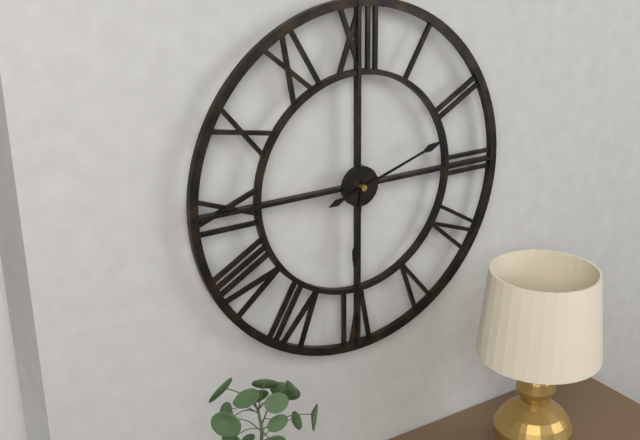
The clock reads 6h12
